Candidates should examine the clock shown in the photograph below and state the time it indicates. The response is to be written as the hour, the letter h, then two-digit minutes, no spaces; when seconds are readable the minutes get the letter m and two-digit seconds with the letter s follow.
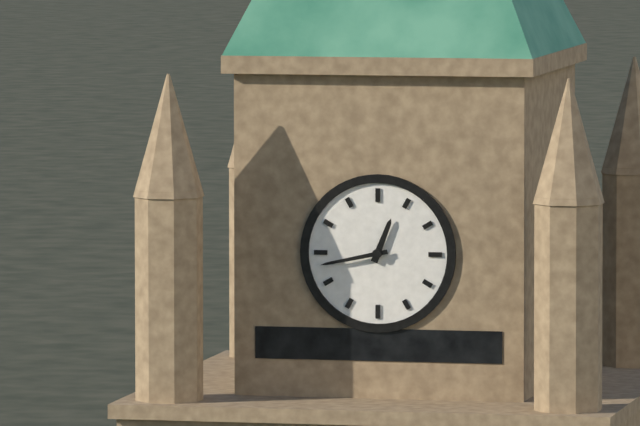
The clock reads 12h43
